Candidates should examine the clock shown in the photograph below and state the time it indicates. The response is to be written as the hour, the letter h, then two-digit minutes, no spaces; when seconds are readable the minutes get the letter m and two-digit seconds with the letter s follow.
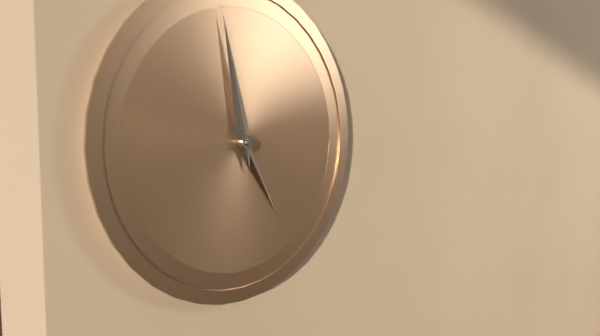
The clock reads 4h58
